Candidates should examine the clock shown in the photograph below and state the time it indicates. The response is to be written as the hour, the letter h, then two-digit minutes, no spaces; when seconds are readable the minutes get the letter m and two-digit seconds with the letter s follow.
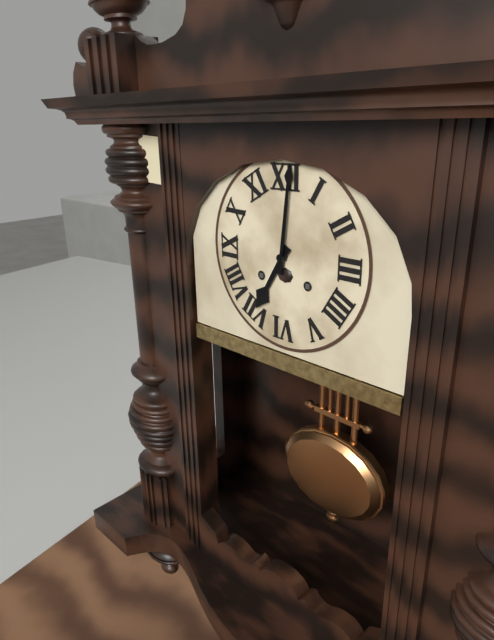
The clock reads 7h01
